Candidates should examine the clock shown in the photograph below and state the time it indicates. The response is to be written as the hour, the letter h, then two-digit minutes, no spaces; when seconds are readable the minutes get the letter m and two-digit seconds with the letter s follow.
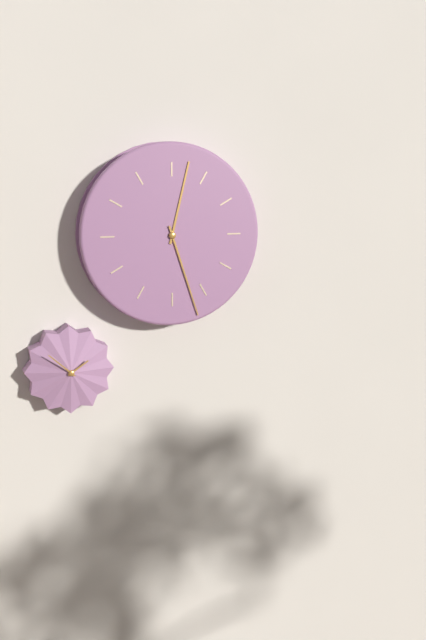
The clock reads 12h27
